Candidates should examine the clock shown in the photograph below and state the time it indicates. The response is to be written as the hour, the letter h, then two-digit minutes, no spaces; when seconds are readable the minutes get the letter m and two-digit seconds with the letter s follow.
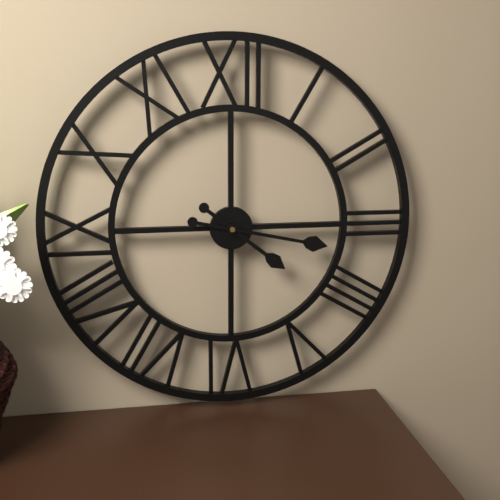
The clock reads 4h17
